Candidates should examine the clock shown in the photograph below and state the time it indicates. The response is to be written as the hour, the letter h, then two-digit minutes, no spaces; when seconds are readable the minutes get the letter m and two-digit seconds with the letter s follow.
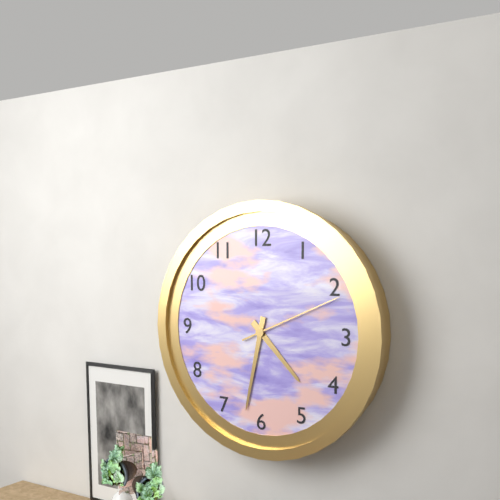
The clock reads 4h32m11s
